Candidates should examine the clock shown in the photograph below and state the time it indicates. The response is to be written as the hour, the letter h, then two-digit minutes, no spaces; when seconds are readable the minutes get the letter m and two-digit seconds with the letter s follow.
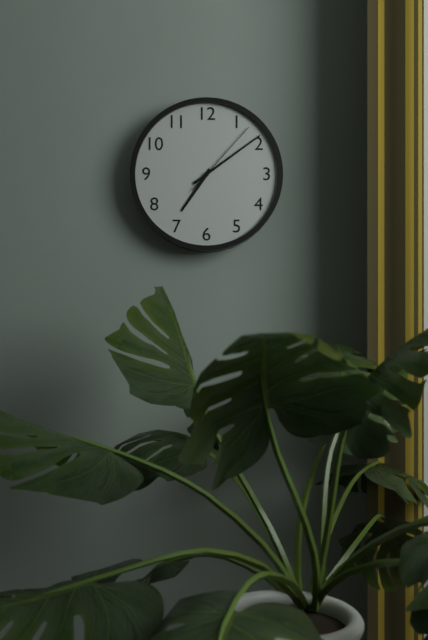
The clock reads 7h09m07s
